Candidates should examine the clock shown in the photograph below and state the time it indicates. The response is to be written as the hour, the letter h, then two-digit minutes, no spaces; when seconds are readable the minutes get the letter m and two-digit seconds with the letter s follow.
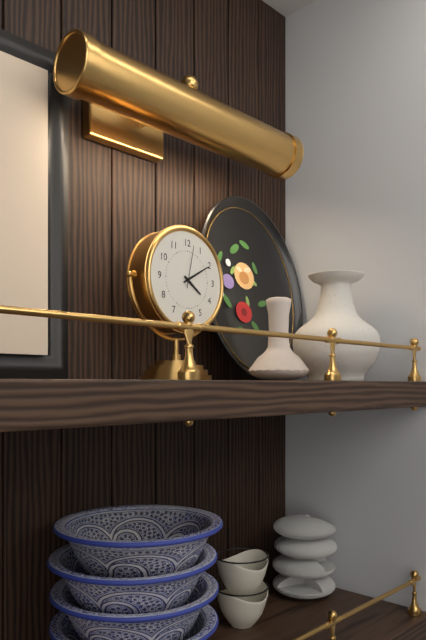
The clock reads 4h10
